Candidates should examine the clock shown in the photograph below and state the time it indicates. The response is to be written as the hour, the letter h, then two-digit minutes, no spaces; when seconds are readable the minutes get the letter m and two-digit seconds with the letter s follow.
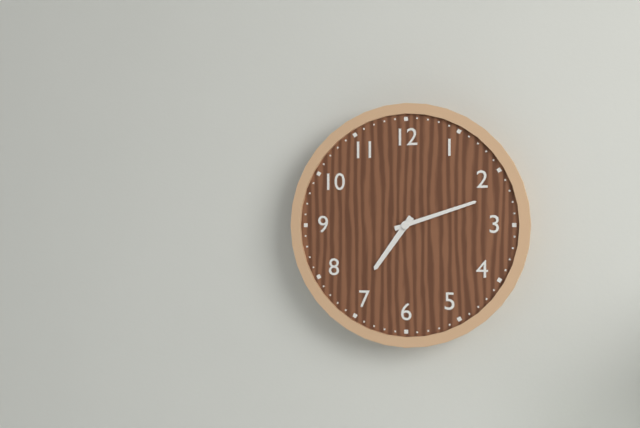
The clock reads 7h12
